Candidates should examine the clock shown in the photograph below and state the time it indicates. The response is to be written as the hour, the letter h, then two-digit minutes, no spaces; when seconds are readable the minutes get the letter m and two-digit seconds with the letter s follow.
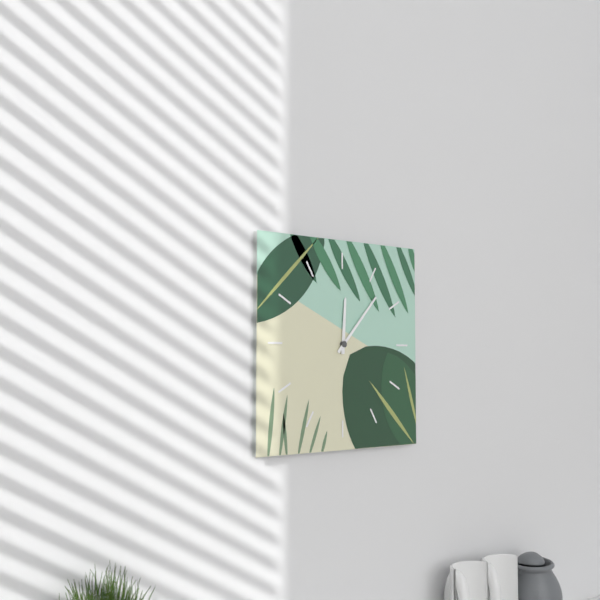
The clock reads 12h07
